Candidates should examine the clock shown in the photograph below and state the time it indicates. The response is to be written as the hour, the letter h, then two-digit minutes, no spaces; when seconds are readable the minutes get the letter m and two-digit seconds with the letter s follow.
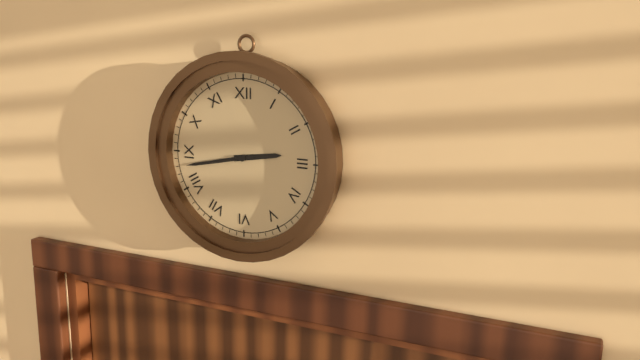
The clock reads 2h43
